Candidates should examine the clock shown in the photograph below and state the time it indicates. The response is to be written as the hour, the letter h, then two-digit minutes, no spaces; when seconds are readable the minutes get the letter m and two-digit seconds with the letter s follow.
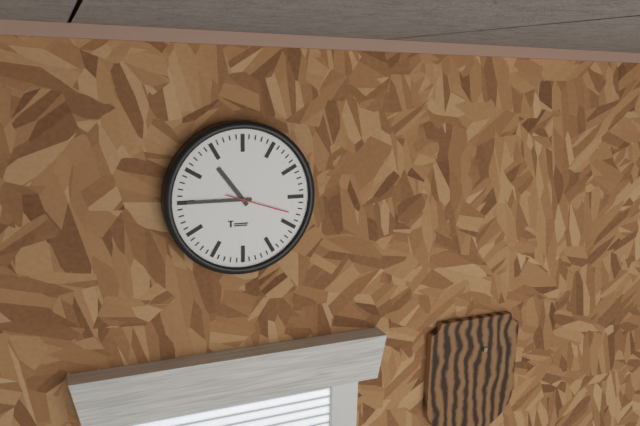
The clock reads 10h45m18s
